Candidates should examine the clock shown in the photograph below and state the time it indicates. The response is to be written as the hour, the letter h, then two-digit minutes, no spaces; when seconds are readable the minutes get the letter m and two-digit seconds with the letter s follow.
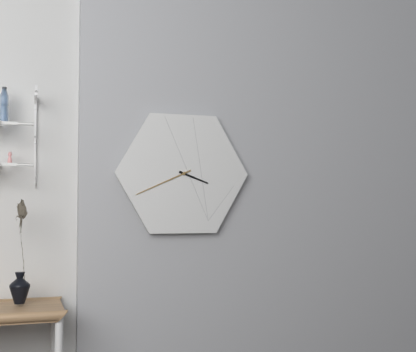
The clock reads 3h41
